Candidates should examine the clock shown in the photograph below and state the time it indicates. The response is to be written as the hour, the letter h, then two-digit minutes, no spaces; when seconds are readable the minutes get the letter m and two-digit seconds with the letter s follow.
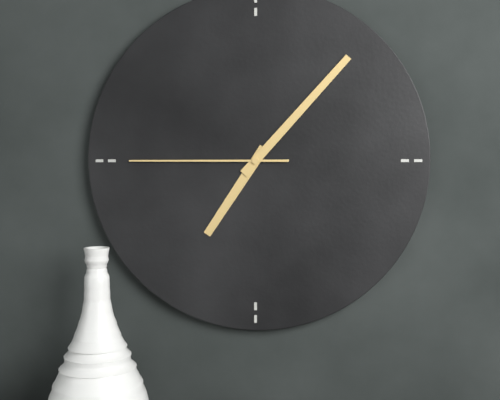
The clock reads 7h07m45s
